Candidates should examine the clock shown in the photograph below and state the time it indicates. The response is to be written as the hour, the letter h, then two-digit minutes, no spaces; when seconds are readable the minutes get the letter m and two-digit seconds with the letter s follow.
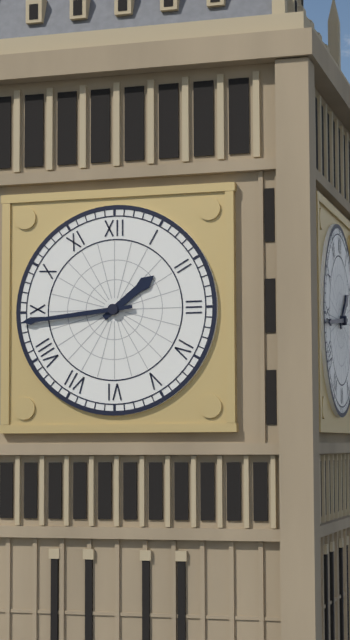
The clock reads 1h44
